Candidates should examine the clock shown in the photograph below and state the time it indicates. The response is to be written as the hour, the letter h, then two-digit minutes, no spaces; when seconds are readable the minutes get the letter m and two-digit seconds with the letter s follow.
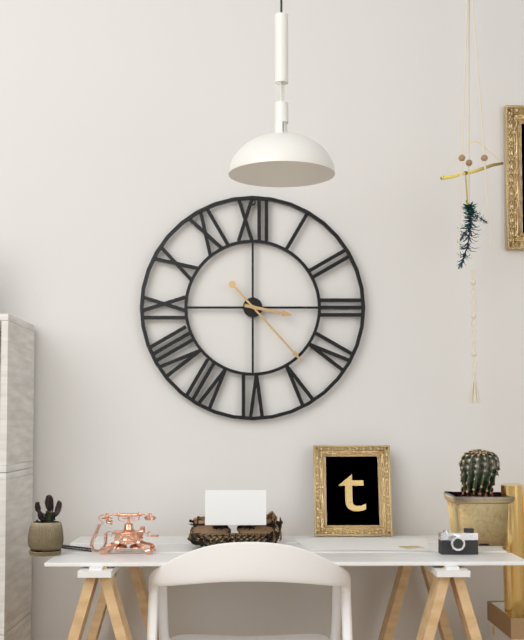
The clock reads 3h23
